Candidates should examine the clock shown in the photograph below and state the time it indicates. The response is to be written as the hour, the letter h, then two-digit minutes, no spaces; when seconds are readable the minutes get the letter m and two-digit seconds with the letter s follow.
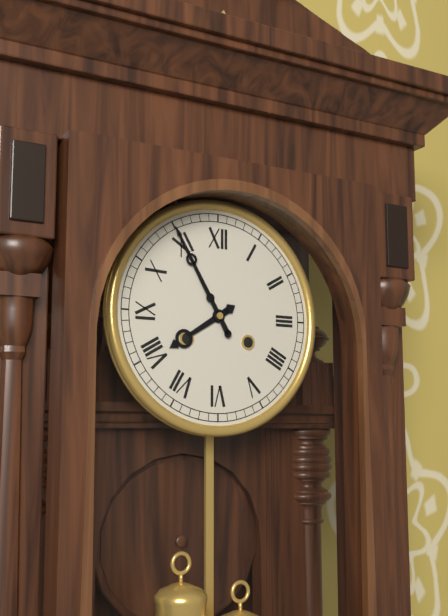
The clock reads 7h55
